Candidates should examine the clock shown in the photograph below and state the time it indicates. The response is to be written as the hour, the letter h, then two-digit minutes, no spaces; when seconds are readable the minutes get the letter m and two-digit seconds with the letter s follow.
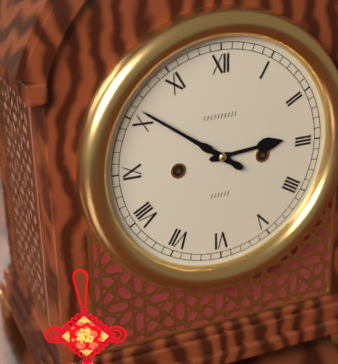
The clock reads 2h51
